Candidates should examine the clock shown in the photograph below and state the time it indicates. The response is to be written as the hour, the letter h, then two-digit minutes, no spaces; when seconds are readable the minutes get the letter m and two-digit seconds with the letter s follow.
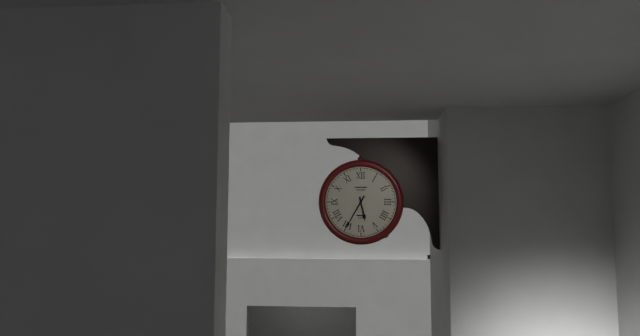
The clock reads 5h35
